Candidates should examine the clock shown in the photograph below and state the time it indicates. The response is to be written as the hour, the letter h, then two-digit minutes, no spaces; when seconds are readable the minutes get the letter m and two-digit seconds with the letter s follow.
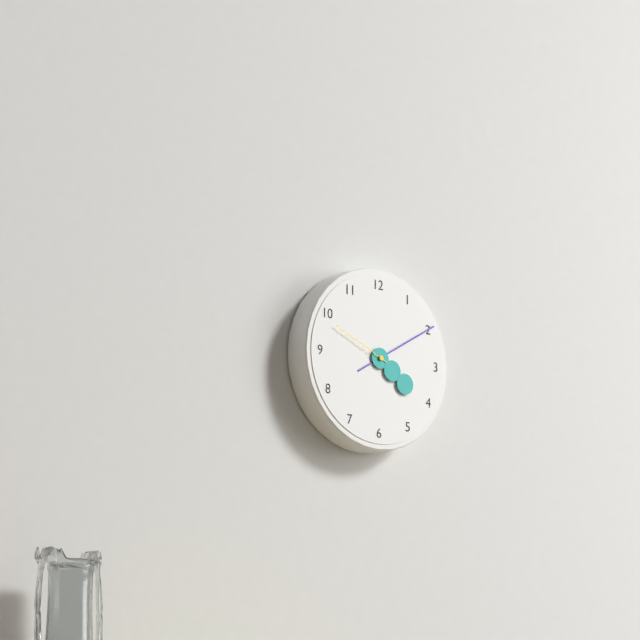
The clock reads 4h10m49s
